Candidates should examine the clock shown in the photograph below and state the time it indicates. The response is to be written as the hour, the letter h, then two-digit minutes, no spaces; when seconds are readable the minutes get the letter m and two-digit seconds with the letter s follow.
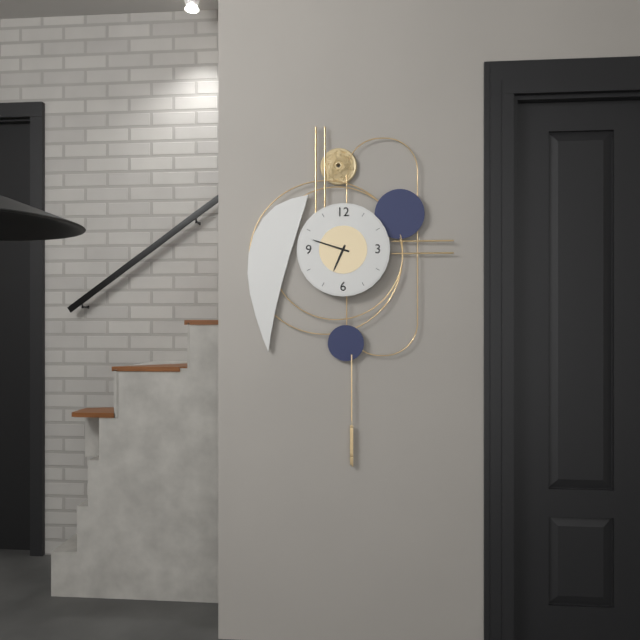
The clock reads 6h48
